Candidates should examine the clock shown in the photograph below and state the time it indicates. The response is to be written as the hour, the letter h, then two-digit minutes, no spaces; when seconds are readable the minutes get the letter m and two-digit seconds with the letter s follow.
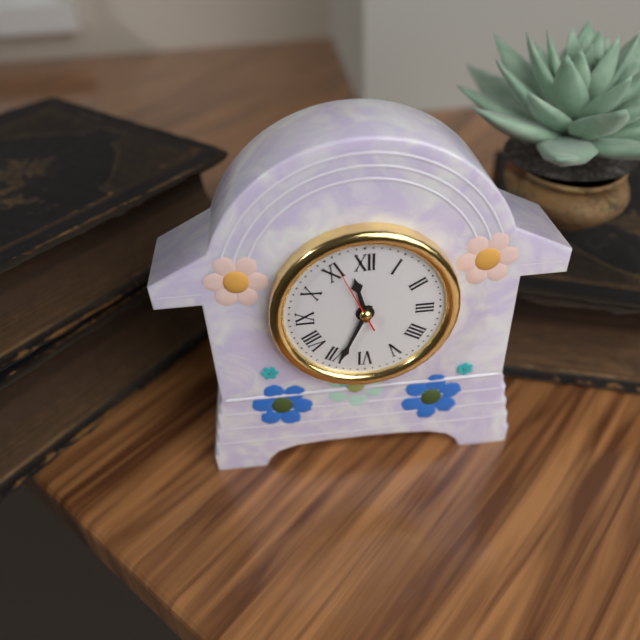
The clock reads 11h34m56s
